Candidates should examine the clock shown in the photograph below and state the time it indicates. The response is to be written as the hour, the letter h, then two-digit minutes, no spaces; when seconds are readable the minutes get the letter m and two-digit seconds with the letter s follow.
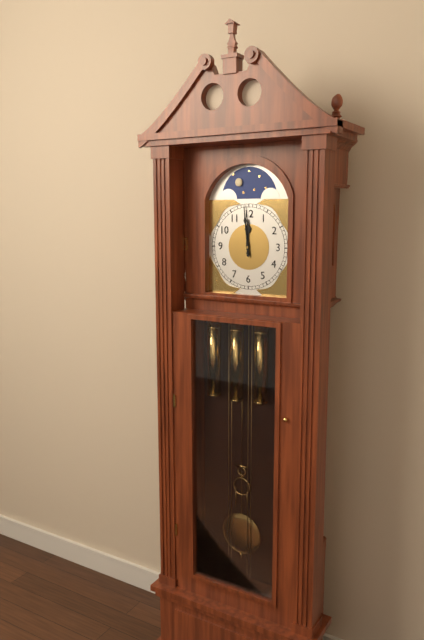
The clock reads 11h59
